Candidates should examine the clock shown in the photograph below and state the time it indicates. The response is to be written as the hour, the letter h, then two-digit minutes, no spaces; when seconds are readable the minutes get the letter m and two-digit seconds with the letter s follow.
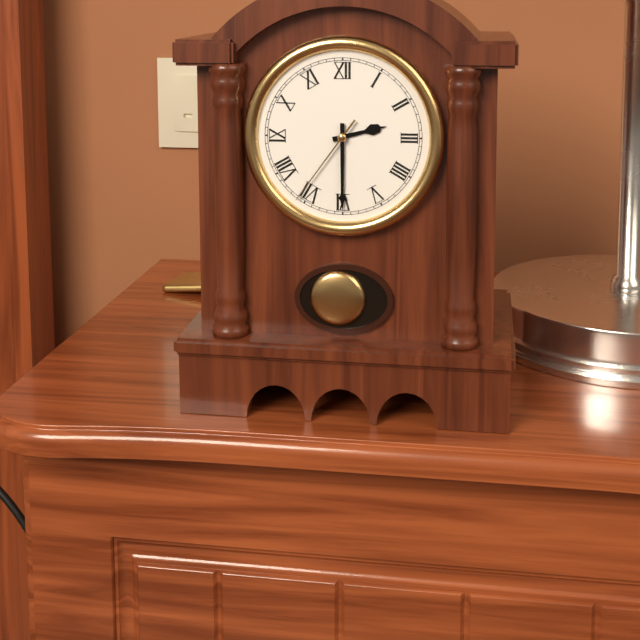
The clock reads 2h30m36s
